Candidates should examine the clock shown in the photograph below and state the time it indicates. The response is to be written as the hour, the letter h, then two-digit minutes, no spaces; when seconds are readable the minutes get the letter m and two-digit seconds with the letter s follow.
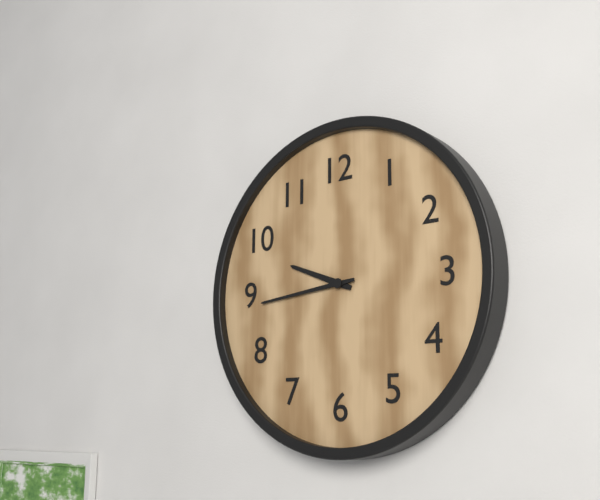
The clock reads 9h44
